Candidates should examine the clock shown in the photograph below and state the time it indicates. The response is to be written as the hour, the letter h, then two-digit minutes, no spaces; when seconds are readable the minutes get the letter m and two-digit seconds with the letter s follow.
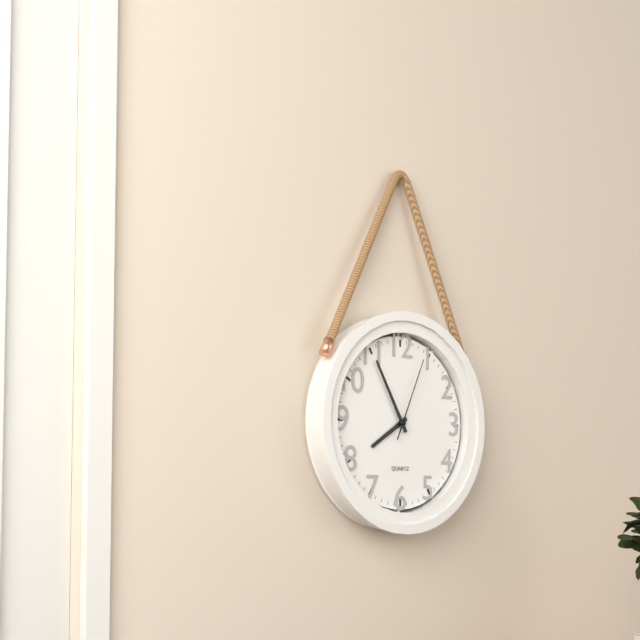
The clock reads 7h55m04s
